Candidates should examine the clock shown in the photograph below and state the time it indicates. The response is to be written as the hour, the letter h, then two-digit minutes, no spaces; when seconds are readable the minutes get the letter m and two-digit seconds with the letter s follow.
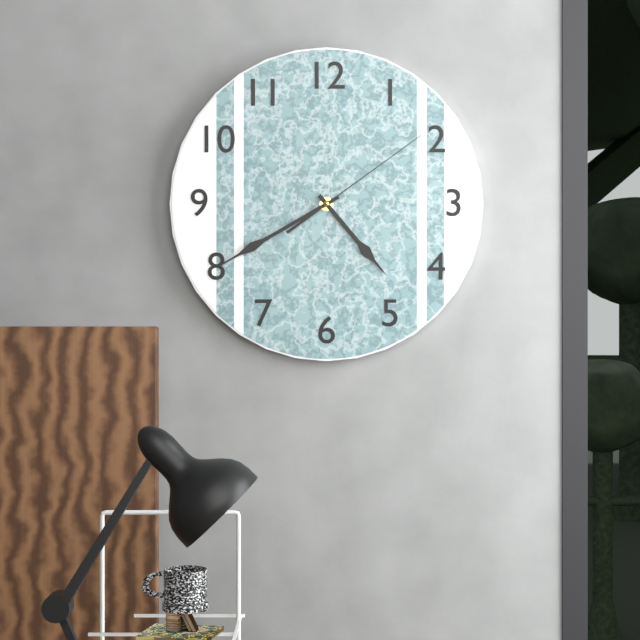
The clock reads 4h40m09s
